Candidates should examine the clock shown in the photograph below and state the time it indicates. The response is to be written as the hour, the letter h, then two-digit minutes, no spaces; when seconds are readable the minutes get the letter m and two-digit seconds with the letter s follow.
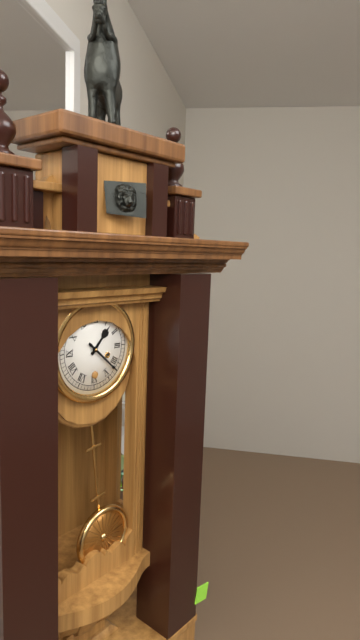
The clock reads 1h22
